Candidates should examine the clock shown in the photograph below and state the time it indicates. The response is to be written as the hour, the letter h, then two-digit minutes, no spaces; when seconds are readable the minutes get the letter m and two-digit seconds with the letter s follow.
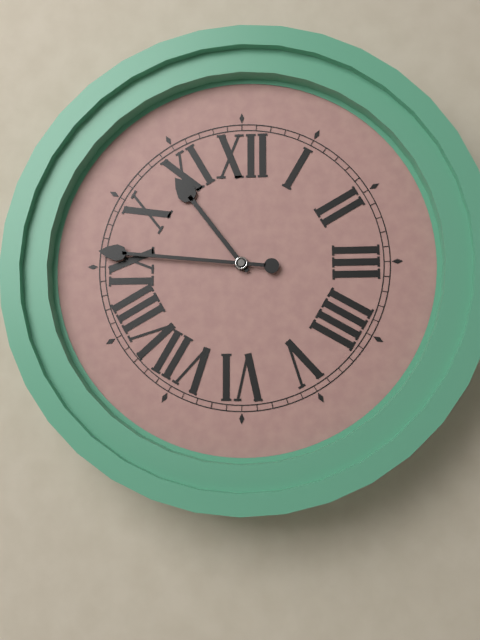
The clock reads 10h46
